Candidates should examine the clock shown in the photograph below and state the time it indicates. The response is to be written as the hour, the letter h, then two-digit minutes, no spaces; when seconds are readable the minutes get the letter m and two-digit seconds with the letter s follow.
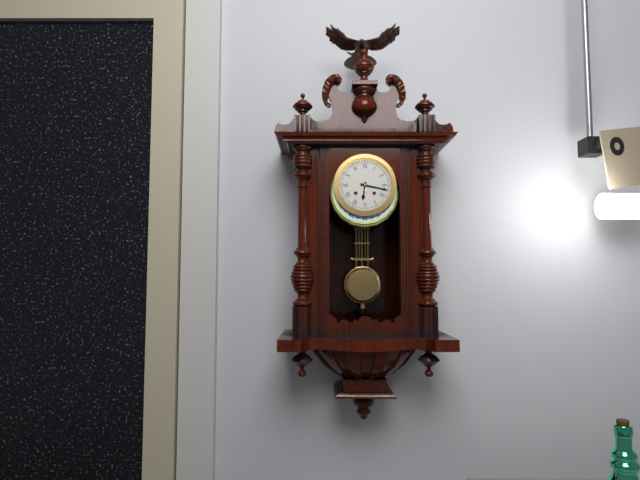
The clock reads 6h17
